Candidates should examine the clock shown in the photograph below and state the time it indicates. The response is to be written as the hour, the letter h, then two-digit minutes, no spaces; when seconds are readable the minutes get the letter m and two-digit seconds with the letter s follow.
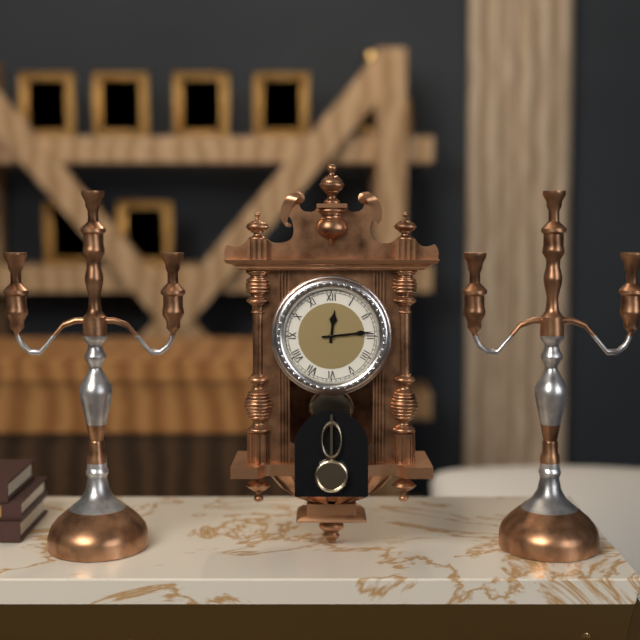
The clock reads 12h14
